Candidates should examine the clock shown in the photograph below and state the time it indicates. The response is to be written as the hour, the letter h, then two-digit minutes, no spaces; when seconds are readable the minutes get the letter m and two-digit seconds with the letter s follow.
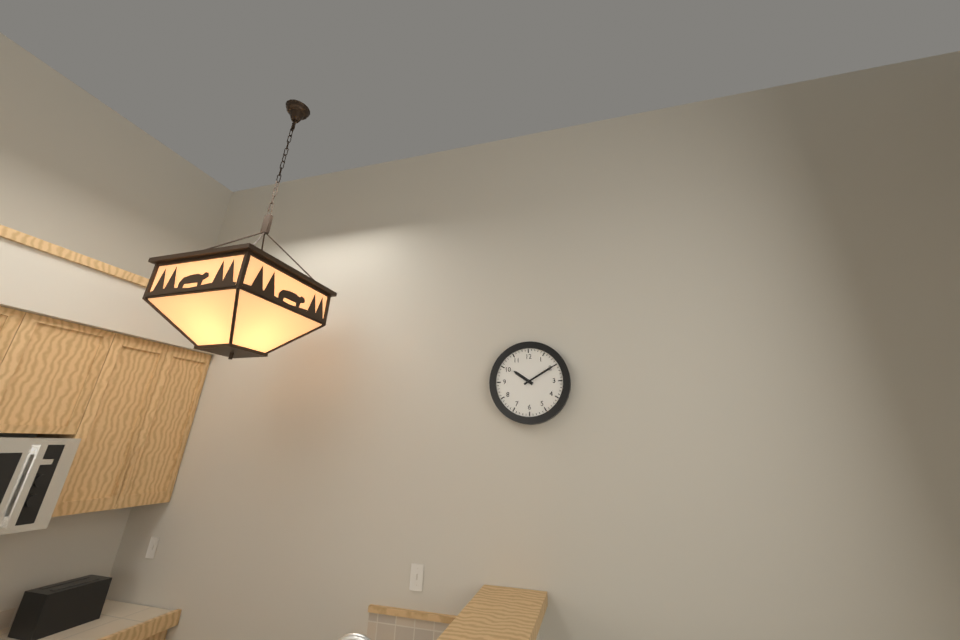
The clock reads 10h10
